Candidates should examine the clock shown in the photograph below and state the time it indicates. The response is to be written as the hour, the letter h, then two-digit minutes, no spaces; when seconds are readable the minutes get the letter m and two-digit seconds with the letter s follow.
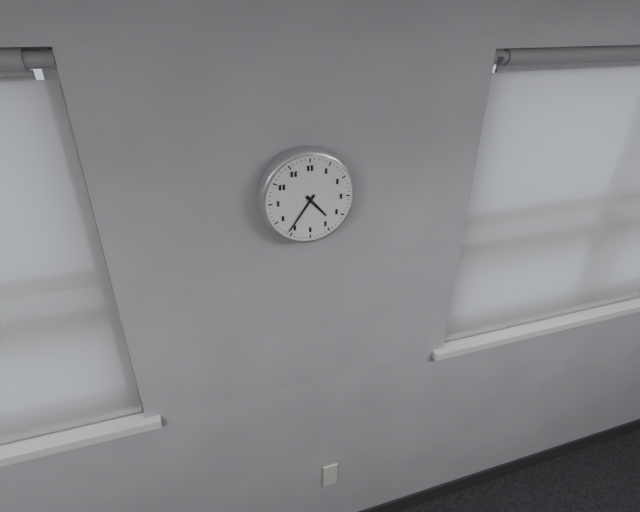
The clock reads 4h36
